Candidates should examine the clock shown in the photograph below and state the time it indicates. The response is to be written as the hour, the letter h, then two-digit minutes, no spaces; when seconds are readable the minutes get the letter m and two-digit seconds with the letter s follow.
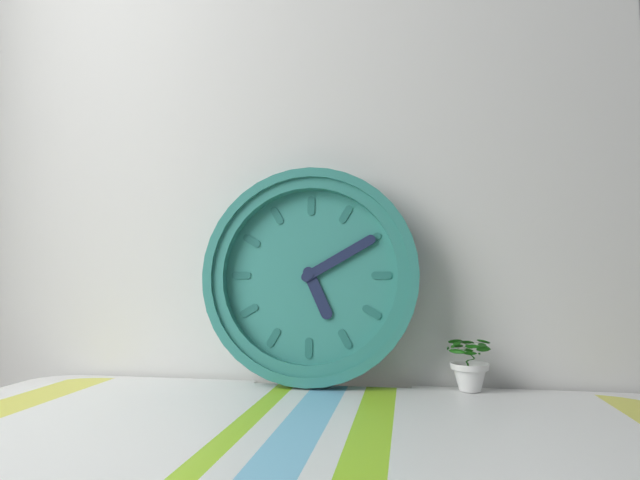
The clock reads 5h10
